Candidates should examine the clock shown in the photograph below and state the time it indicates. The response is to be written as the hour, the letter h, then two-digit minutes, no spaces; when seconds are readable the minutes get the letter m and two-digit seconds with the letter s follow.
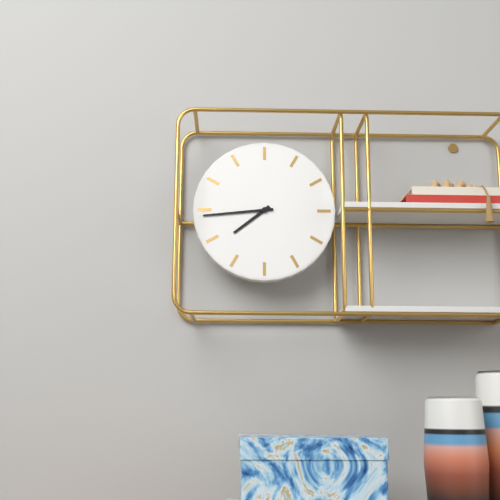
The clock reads 7h44
